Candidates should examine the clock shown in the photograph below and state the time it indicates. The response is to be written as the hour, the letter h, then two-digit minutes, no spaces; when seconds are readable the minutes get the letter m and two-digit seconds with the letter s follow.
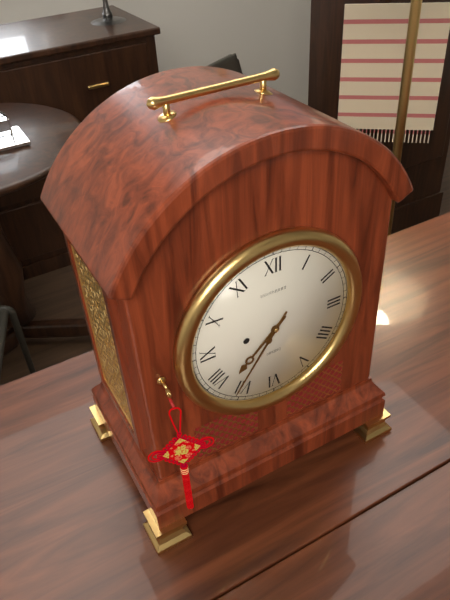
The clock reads 7h36
